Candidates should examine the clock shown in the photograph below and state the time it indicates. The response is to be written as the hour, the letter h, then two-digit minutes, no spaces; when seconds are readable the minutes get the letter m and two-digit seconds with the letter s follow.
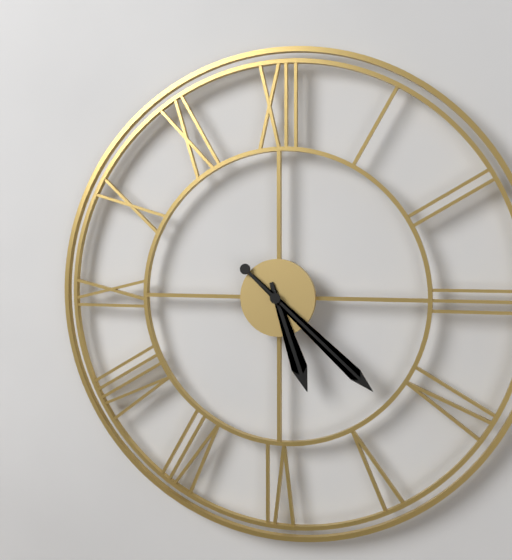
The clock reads 5h22
